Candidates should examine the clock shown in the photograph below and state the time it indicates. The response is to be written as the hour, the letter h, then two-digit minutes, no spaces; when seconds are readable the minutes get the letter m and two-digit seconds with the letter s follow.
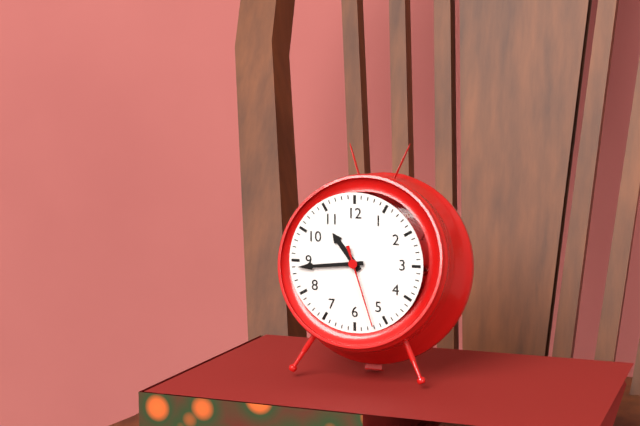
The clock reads 10h44m27s
